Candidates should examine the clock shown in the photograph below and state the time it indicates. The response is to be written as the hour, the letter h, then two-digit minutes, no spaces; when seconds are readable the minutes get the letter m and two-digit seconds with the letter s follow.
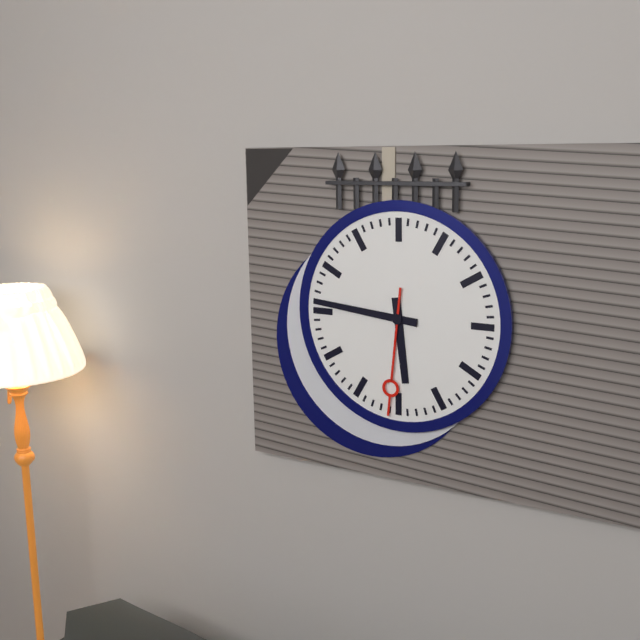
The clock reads 5h46m31s
